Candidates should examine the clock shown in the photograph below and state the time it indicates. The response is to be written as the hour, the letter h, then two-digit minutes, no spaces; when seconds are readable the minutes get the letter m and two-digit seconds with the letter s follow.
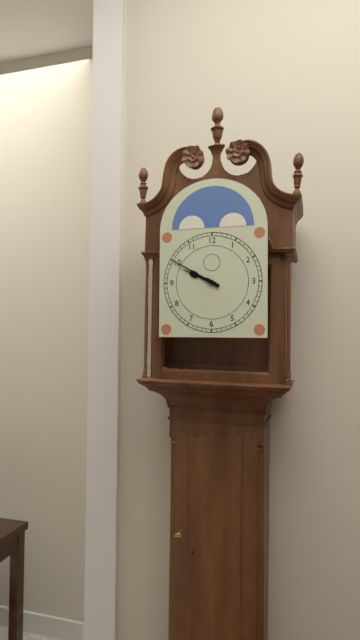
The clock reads 9h50
